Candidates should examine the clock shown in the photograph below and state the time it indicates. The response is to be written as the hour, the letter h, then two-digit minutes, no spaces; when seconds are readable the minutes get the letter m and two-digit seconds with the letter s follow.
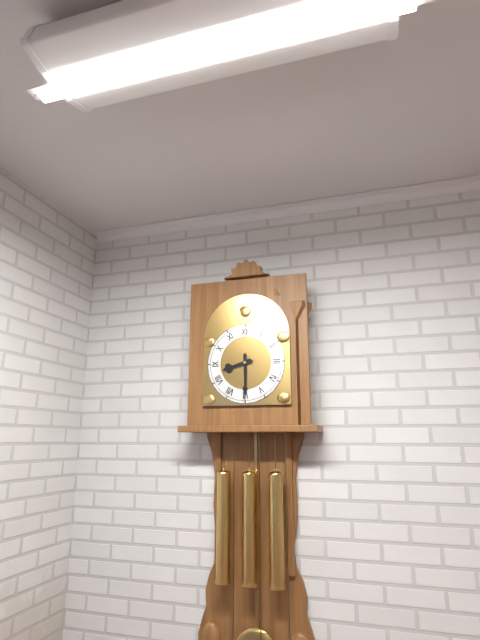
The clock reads 8h30
